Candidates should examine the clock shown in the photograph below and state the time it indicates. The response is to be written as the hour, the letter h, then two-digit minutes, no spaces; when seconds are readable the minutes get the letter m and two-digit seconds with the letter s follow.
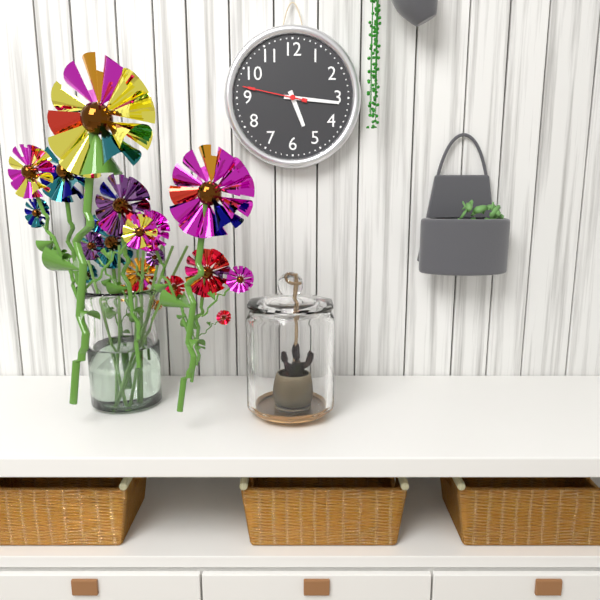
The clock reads 5h16m47s
